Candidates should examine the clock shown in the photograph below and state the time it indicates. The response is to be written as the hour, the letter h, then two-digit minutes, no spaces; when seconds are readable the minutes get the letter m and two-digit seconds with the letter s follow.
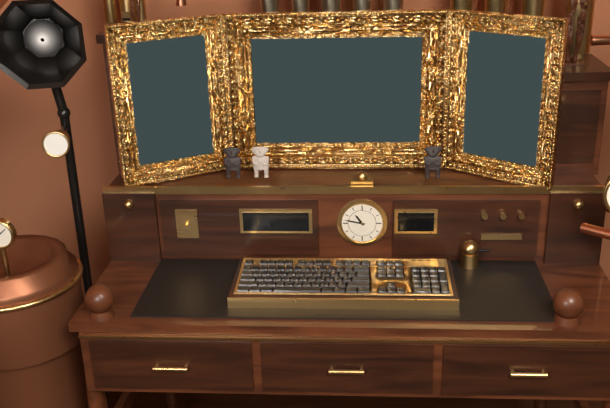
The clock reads 10h47
